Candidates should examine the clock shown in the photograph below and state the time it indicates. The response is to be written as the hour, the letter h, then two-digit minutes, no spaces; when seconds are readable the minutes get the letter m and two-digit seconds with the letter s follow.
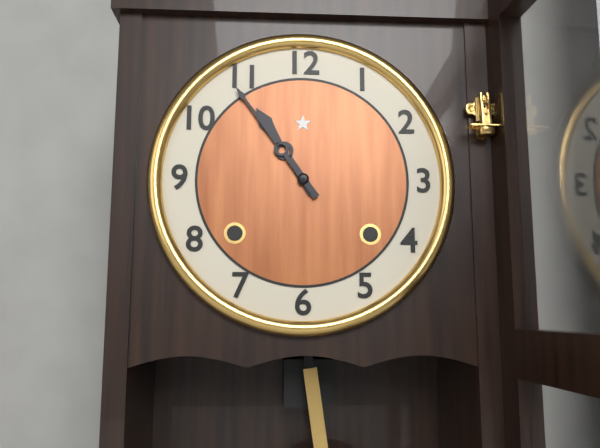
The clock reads 10h54
